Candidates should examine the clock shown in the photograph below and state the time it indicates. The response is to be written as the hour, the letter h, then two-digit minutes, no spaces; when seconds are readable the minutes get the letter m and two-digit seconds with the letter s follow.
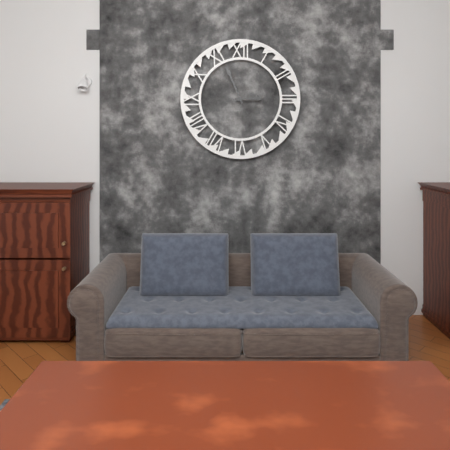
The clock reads 2h56
